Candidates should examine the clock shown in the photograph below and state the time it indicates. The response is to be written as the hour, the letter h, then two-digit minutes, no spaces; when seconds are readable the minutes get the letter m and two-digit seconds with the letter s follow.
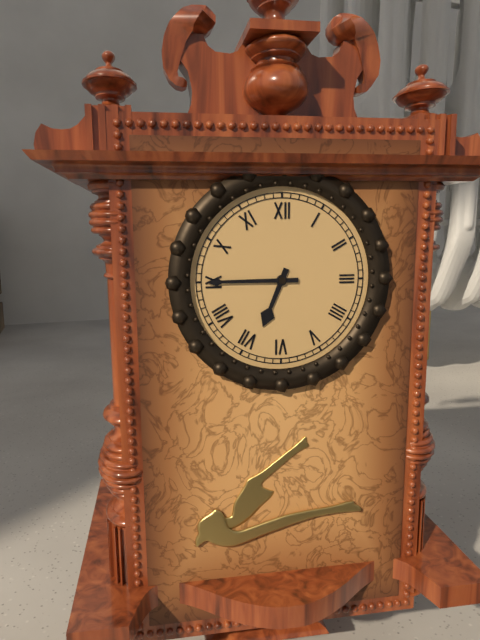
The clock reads 6h45
